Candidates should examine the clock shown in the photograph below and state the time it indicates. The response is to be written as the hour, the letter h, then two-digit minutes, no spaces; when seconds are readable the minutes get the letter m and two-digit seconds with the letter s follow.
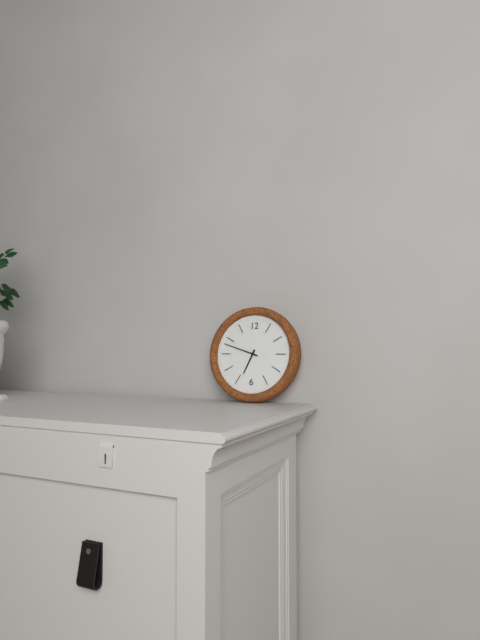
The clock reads 6h48
